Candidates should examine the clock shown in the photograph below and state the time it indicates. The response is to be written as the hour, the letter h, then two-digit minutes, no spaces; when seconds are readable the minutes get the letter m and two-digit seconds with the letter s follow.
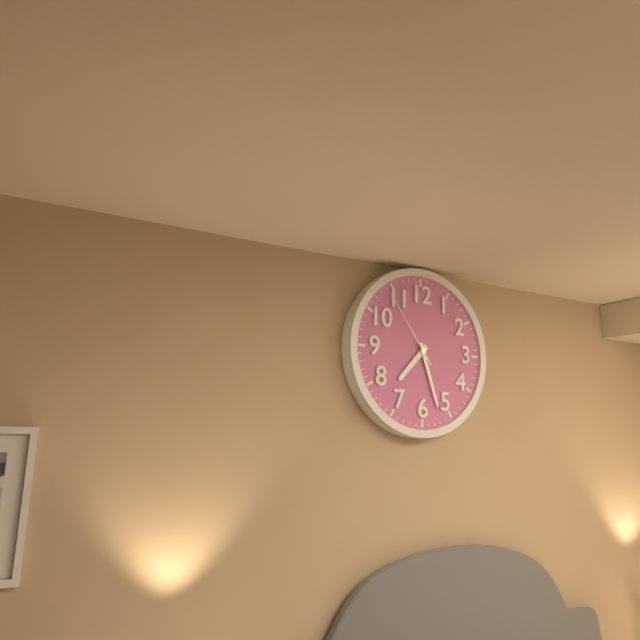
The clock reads 7h27m54s
